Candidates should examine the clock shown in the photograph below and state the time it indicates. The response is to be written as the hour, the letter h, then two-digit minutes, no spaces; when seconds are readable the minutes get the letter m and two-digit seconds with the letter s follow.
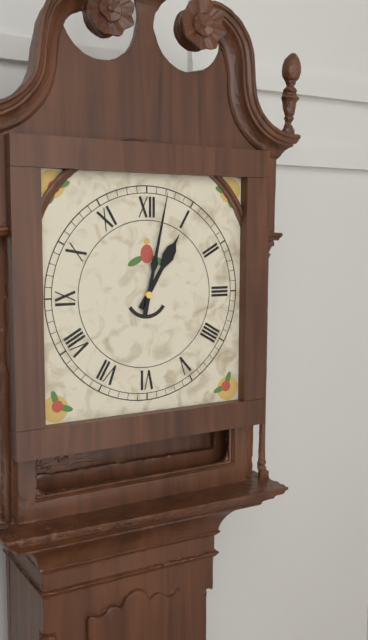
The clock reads 1h02
